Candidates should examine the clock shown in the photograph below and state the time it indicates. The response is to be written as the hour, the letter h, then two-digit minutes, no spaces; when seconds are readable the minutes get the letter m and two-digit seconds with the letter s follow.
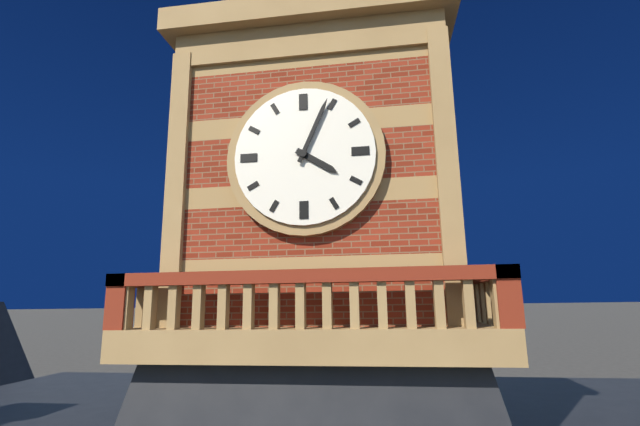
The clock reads 4h04
